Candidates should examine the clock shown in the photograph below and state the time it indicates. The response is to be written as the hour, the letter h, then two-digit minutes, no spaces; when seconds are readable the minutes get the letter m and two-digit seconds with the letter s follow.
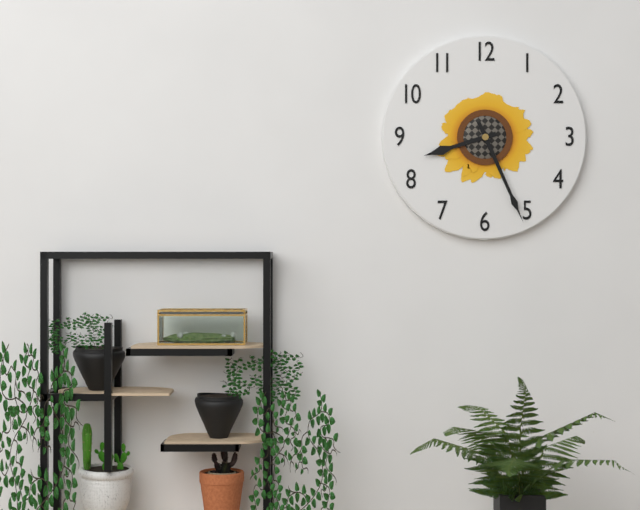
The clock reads 8h26
